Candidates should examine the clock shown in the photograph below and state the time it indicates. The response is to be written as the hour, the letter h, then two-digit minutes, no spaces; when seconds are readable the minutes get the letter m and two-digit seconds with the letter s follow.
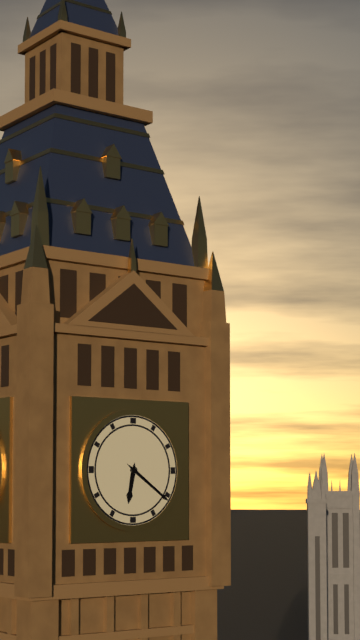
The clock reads 6h21
